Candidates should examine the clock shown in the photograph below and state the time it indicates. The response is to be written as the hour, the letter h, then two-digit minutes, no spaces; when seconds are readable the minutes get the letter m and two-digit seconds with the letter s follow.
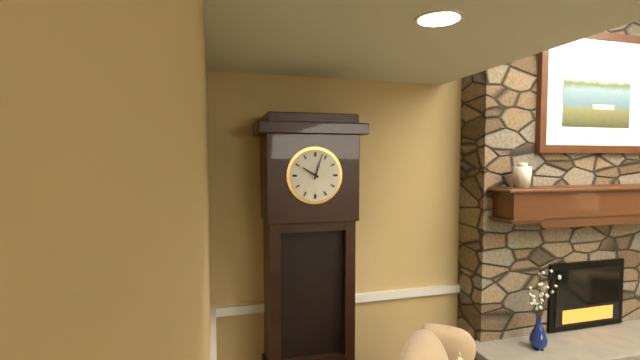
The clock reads 10h03
